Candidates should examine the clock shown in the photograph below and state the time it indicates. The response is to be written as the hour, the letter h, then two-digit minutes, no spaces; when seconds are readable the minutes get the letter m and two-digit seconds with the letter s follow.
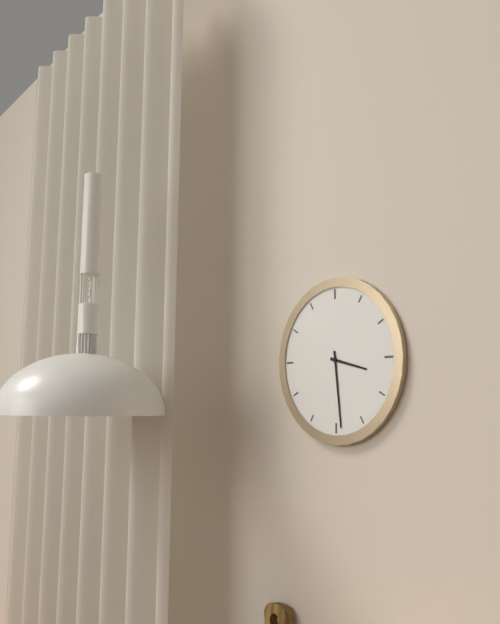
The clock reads 3h29
